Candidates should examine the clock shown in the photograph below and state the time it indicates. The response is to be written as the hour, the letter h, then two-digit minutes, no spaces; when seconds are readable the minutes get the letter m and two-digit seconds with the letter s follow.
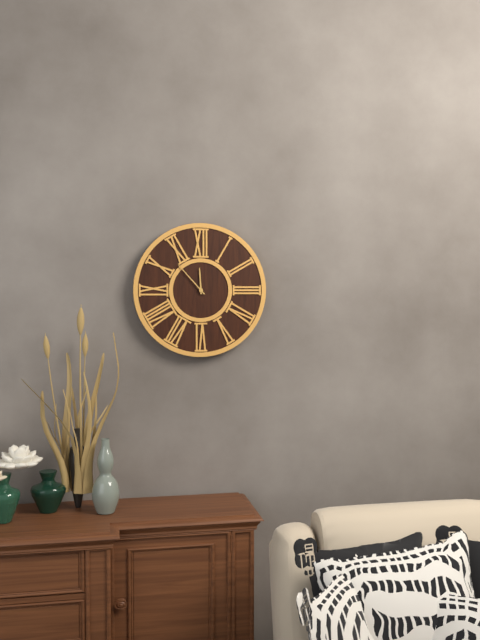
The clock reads 11h53
